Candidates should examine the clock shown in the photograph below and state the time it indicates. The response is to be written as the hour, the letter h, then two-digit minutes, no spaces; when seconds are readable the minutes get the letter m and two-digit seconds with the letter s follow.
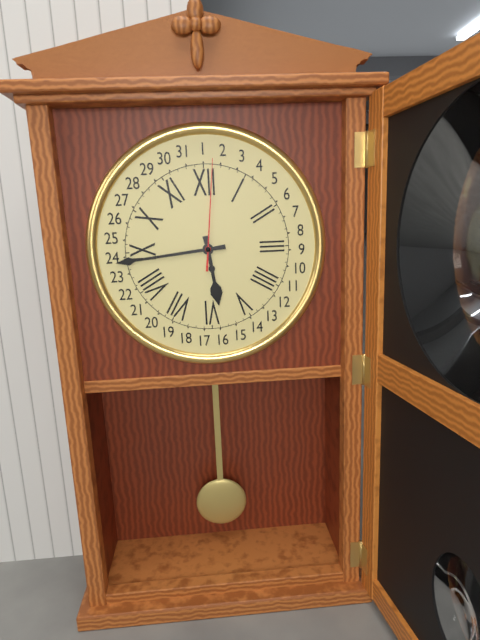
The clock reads 5h44m01s
